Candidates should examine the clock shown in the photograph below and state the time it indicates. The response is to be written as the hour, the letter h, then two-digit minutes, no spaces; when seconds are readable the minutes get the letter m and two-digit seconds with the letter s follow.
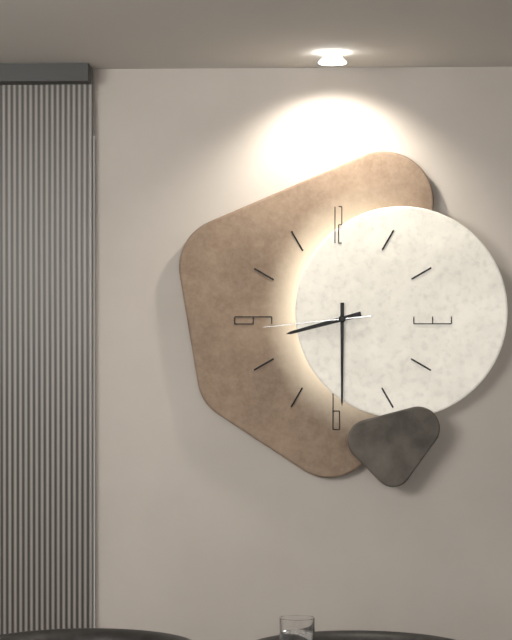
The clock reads 8h30m44s
